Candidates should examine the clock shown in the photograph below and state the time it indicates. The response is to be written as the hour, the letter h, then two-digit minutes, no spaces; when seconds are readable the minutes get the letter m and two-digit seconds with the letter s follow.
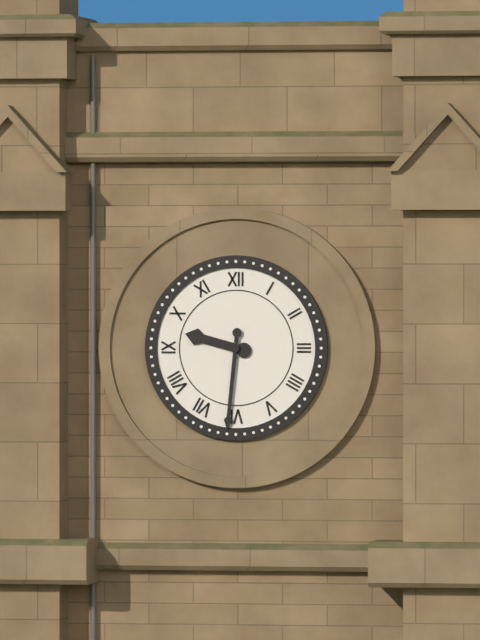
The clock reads 9h31
